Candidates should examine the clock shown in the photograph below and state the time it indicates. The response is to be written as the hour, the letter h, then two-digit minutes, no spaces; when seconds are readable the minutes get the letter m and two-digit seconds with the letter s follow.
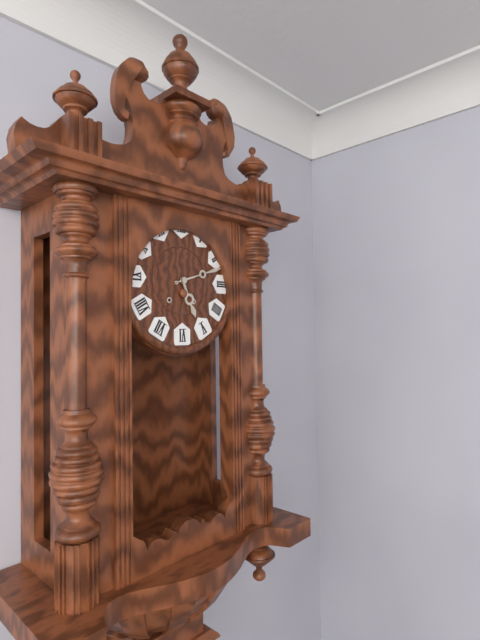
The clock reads 5h12
